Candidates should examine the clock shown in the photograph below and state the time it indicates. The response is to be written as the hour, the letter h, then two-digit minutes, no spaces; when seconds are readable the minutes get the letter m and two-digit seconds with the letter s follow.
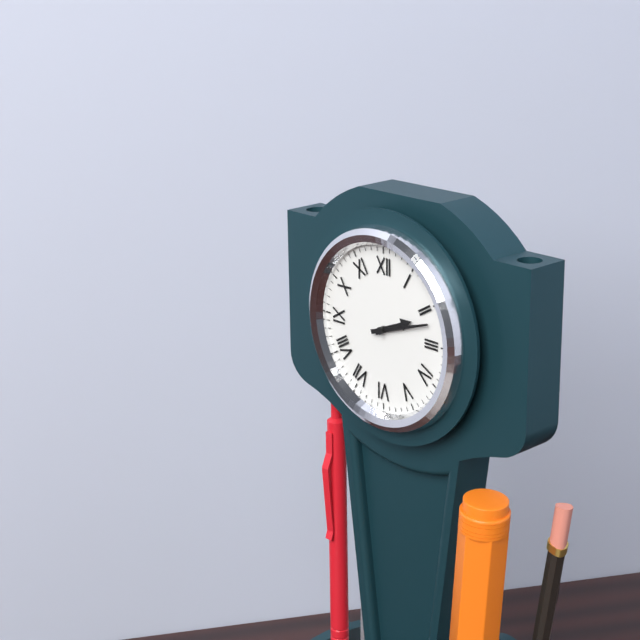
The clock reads 2h12
